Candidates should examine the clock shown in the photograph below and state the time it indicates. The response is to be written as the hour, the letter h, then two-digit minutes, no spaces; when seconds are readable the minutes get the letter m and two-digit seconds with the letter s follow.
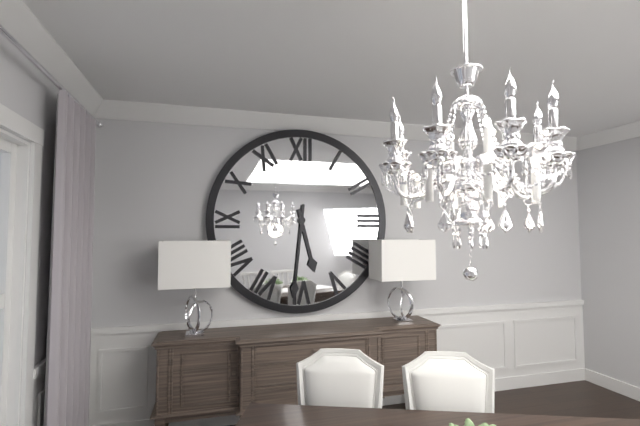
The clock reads 5h31
